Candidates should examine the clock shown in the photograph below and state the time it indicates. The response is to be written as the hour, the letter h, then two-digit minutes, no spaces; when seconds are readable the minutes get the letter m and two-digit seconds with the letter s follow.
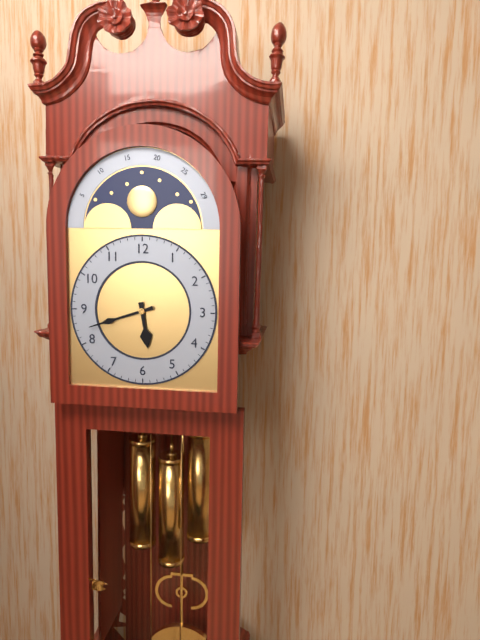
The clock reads 5h42
